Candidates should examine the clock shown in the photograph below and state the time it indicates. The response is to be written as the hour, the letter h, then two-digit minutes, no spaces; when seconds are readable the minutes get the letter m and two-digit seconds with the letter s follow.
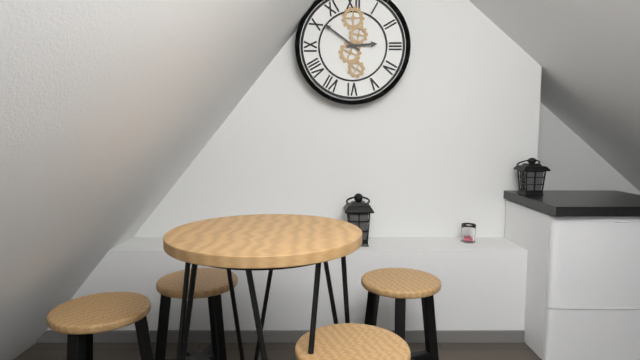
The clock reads 2h51
